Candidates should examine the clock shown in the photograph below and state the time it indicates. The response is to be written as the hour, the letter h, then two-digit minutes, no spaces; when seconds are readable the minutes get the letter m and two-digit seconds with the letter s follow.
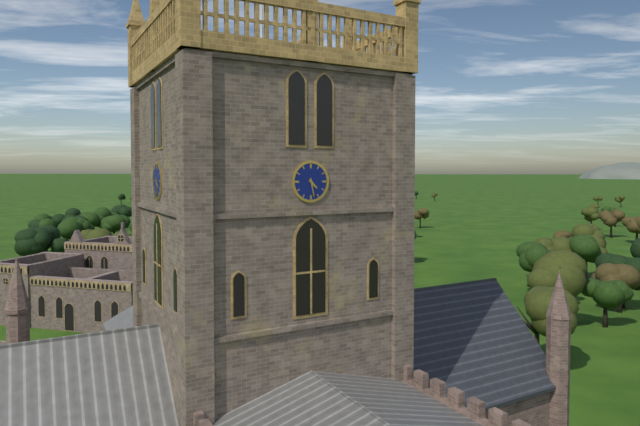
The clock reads 4h28
